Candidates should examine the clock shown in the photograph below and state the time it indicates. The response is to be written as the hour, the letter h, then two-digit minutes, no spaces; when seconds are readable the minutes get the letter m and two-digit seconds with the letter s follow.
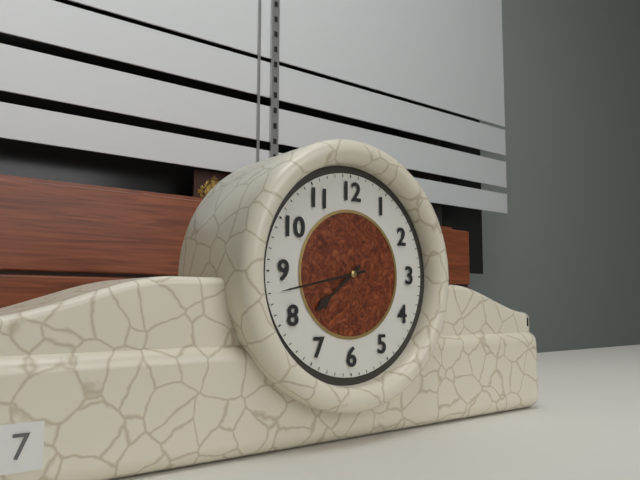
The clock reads 7h43
